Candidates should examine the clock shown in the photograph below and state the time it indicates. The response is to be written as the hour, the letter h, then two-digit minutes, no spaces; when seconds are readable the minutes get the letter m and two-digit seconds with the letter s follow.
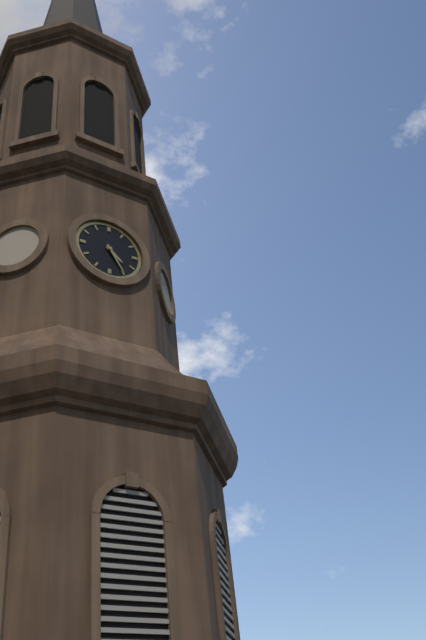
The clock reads 4h25
